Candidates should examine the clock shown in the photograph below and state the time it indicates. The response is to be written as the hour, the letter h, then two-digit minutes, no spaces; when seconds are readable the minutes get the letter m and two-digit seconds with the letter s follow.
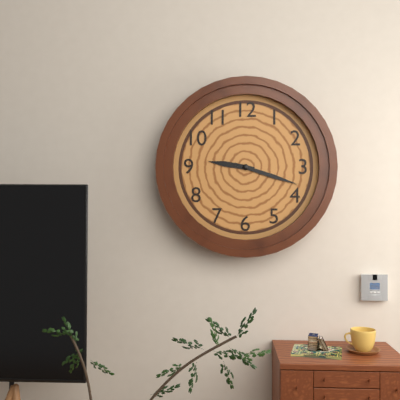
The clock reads 9h18
